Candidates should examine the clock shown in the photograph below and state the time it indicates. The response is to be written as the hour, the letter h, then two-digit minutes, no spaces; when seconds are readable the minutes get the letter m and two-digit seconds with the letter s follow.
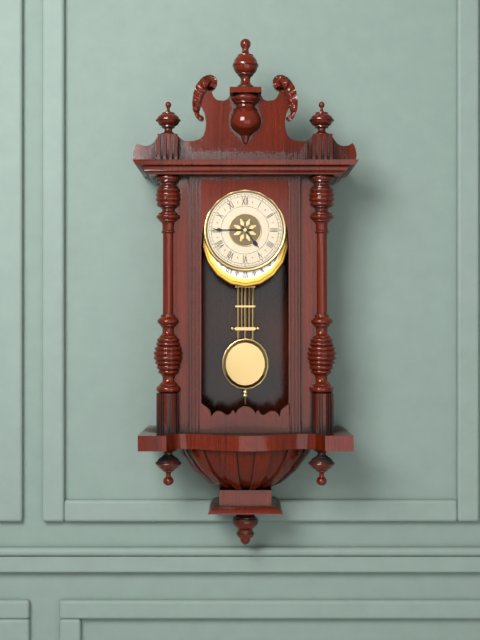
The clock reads 4h45
